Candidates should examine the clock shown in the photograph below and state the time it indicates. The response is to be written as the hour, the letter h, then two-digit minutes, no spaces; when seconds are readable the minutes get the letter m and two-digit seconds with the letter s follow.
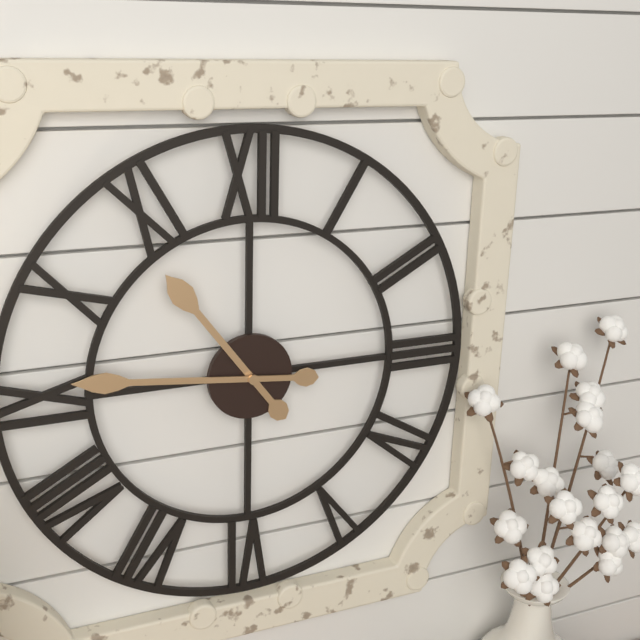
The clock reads 10h46
